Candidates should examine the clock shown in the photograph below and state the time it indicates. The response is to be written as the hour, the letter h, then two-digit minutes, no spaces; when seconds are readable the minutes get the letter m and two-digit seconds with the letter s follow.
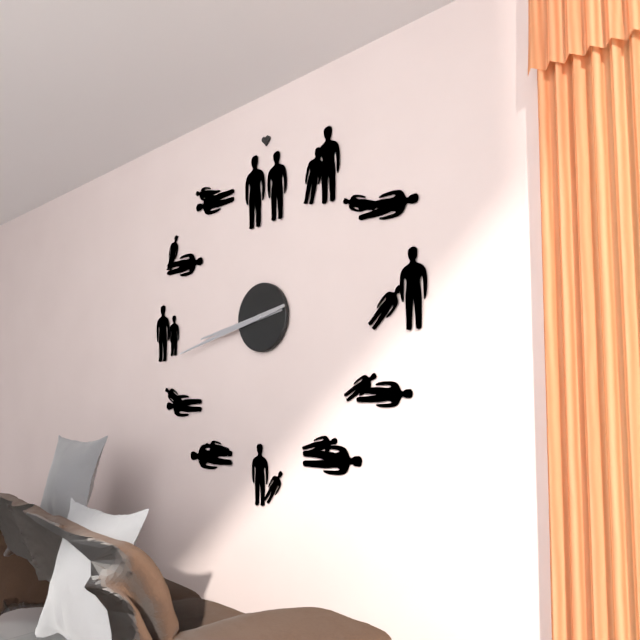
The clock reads 8h43
